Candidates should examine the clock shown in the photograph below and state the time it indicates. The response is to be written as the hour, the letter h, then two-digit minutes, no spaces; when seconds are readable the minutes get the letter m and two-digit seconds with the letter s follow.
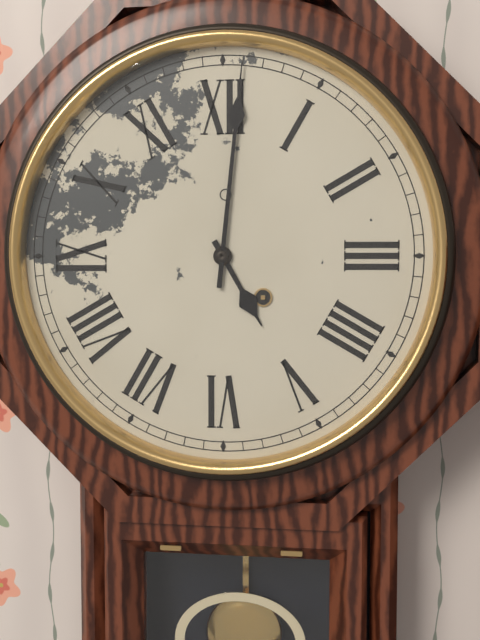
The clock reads 5h01
